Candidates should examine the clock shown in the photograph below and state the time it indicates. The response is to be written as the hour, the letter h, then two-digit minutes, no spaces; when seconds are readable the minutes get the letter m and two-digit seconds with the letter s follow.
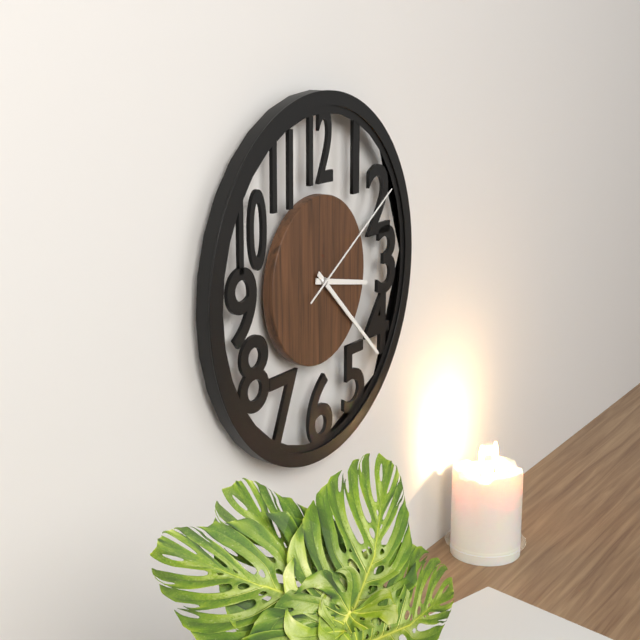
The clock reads 3h22m10s
